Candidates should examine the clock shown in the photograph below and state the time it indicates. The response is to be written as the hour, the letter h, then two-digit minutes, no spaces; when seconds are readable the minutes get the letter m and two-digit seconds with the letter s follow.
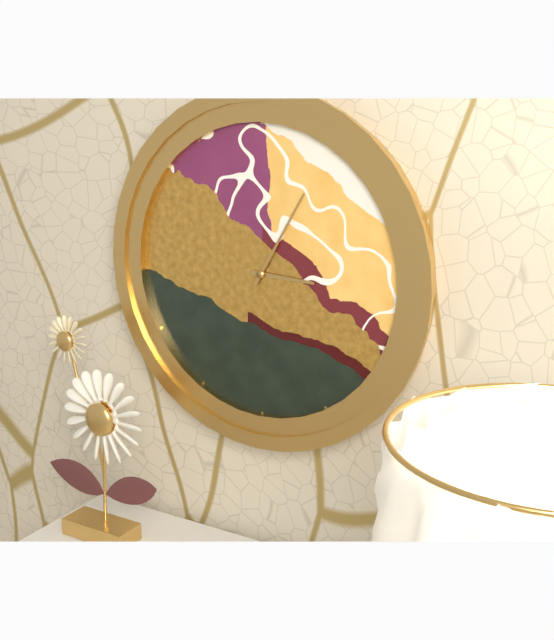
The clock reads 3h05
